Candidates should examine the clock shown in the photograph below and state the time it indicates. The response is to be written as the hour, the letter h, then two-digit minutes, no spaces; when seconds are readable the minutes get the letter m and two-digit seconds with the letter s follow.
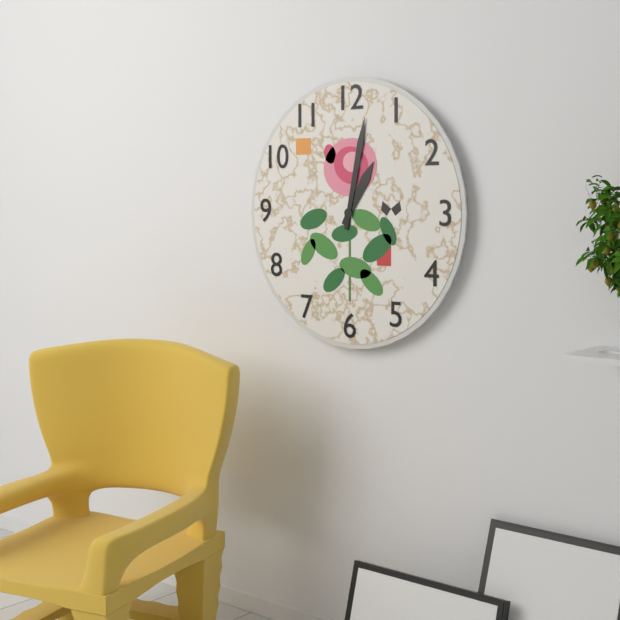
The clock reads 1h02
